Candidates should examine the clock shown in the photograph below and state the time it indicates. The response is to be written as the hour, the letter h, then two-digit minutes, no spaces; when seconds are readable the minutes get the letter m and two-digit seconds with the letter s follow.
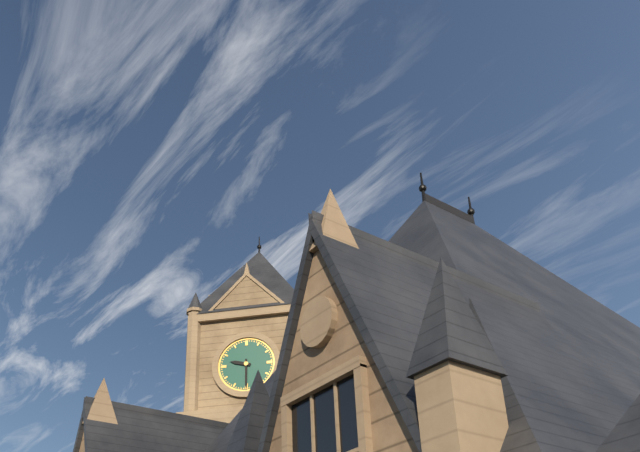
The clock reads 9h30
